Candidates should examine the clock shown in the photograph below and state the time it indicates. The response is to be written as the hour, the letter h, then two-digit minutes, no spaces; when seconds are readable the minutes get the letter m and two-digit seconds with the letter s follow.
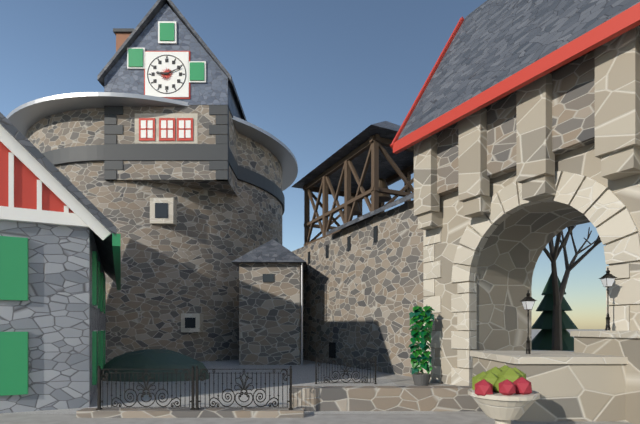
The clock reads 9h11
